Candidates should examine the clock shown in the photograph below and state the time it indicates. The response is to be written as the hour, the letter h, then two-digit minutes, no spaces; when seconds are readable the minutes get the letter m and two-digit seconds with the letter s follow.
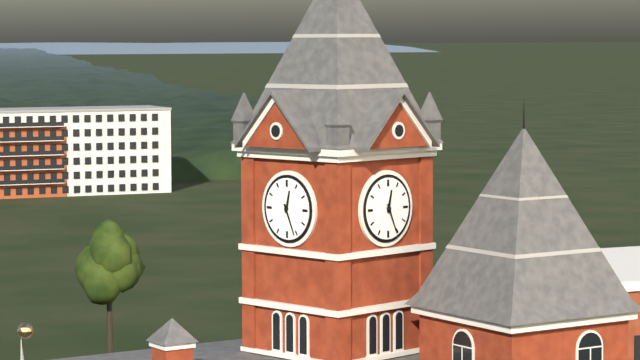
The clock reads 12h26
